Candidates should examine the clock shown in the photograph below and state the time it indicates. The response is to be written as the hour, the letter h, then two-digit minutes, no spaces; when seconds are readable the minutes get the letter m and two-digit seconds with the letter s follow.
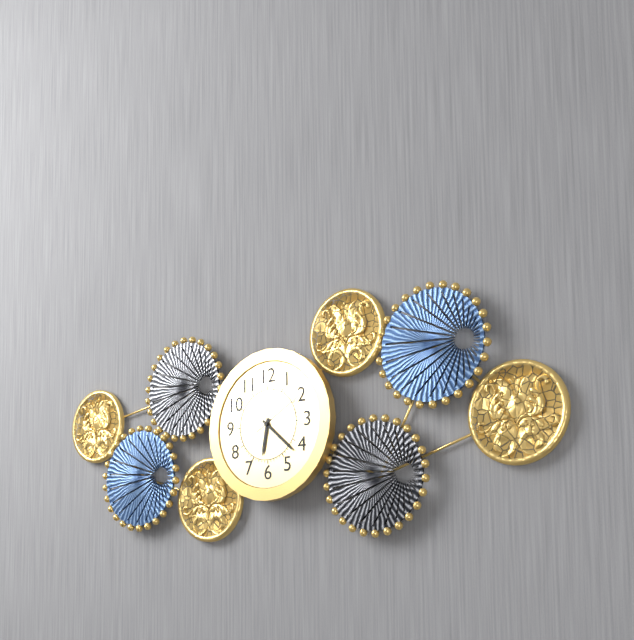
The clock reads 6h22m10s
